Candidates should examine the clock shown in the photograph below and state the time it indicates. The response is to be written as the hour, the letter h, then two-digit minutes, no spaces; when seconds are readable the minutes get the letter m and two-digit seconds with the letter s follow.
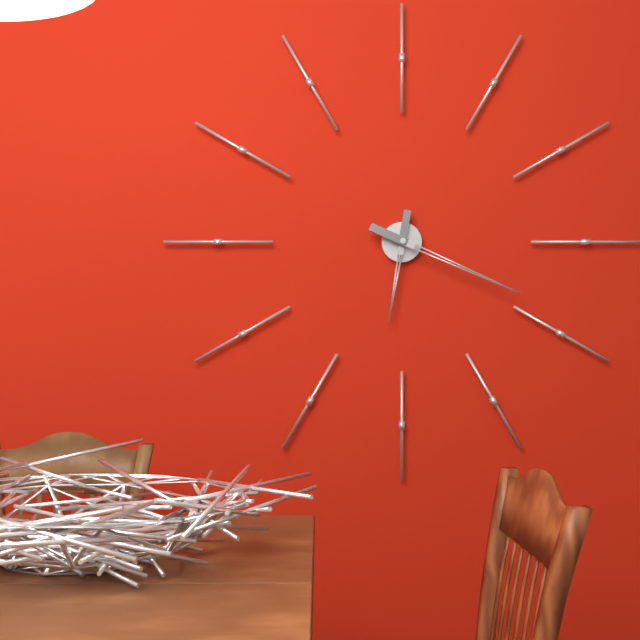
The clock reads 6h19
